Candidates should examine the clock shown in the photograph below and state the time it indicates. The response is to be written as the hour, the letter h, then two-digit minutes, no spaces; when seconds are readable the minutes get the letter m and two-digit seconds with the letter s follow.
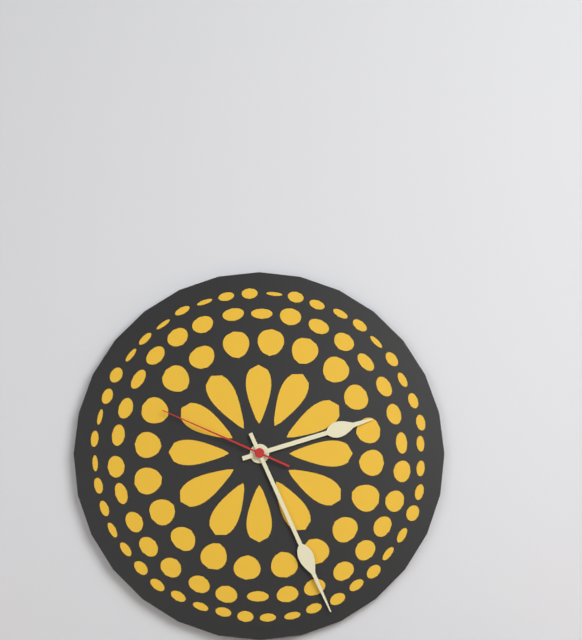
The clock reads 2h26m49s
